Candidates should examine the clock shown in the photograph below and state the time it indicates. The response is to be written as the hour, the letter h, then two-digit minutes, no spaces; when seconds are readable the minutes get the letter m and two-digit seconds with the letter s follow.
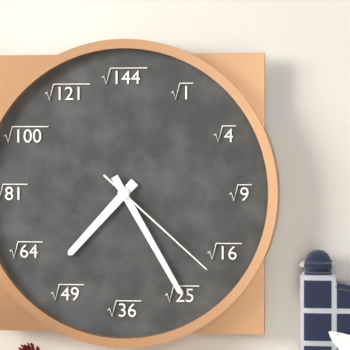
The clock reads 7h25m22s
